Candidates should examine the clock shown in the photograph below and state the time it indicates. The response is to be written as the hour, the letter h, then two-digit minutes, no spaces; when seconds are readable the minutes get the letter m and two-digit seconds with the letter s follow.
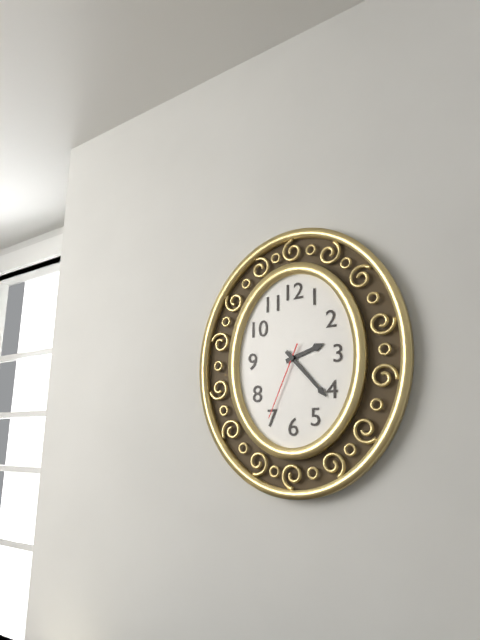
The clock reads 2h23m34s
